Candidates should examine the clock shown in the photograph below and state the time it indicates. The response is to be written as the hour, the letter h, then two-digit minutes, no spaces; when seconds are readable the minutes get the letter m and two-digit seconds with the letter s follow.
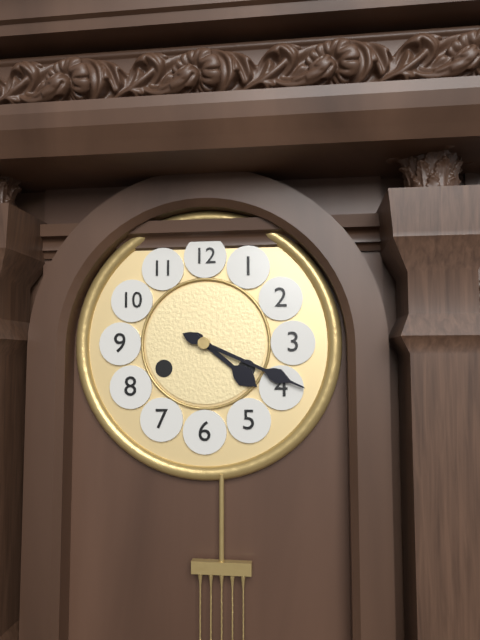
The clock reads 4h19
